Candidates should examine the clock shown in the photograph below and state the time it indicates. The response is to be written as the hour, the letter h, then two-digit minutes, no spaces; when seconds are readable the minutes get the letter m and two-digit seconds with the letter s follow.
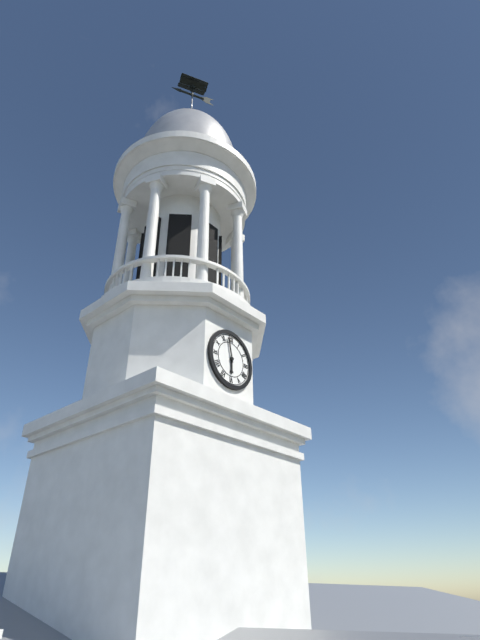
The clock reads 5h58
